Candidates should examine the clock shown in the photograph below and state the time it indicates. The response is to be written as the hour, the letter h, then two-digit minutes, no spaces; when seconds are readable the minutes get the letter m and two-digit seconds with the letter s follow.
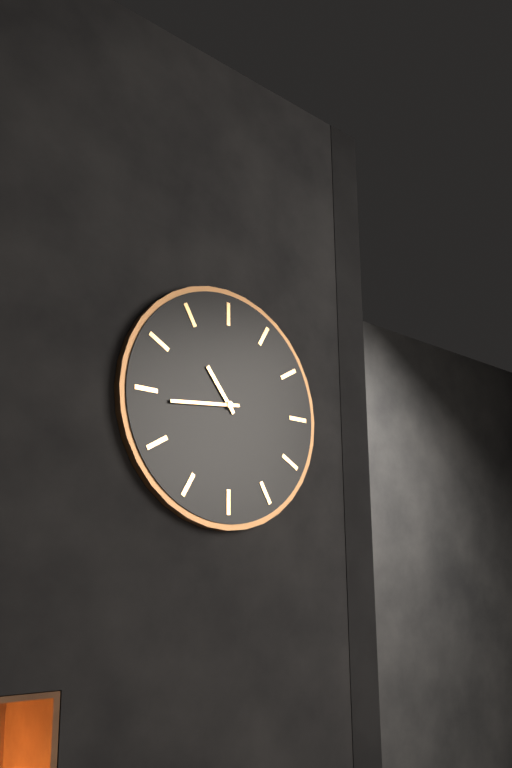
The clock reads 10h44
